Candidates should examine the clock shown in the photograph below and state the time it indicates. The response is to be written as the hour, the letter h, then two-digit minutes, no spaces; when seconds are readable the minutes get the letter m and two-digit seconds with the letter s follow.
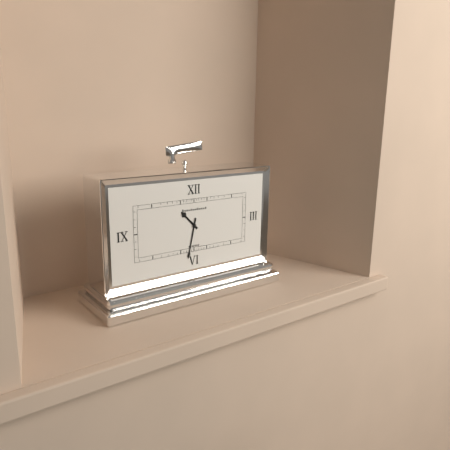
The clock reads 10h32
